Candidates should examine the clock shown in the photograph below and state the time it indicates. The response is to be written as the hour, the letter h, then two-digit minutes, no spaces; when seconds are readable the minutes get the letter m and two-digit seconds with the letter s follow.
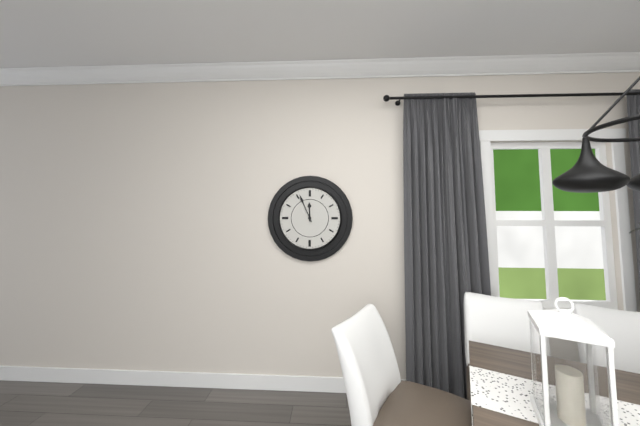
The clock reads 11h56
